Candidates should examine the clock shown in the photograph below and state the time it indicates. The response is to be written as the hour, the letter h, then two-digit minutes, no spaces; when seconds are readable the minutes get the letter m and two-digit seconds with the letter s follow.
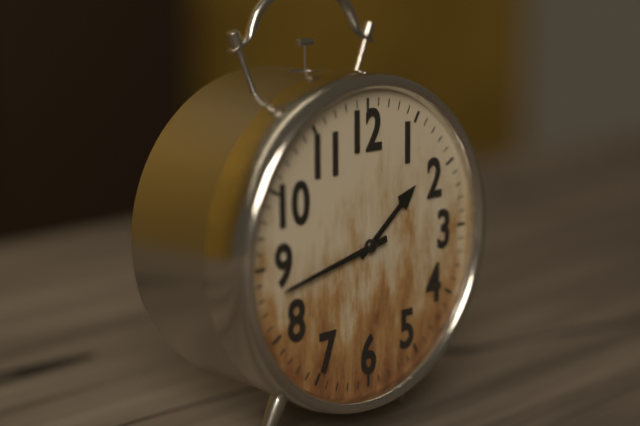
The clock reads 1h43
